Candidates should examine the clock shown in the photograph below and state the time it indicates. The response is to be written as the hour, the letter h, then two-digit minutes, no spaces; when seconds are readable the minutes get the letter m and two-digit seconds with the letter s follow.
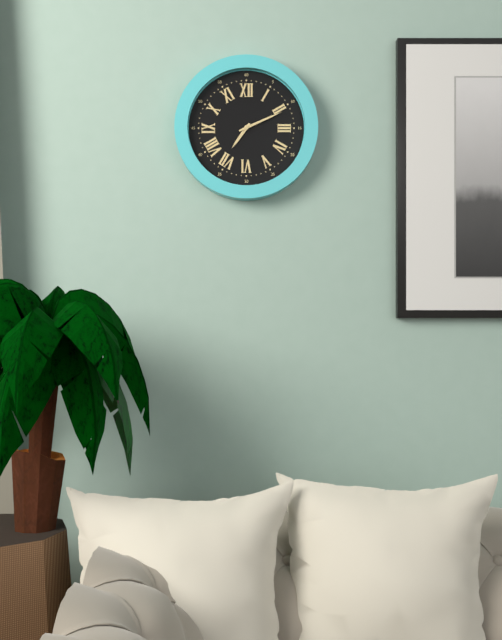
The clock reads 7h11
